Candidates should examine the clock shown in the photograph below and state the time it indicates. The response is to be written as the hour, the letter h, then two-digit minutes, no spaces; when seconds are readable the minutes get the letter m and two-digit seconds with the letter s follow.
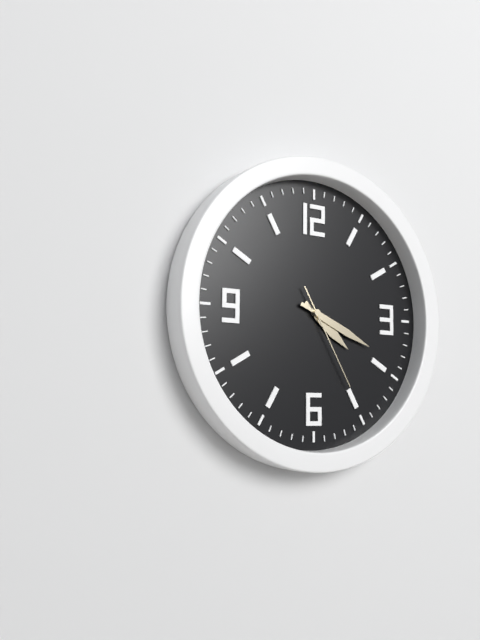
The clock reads 4h19m25s
